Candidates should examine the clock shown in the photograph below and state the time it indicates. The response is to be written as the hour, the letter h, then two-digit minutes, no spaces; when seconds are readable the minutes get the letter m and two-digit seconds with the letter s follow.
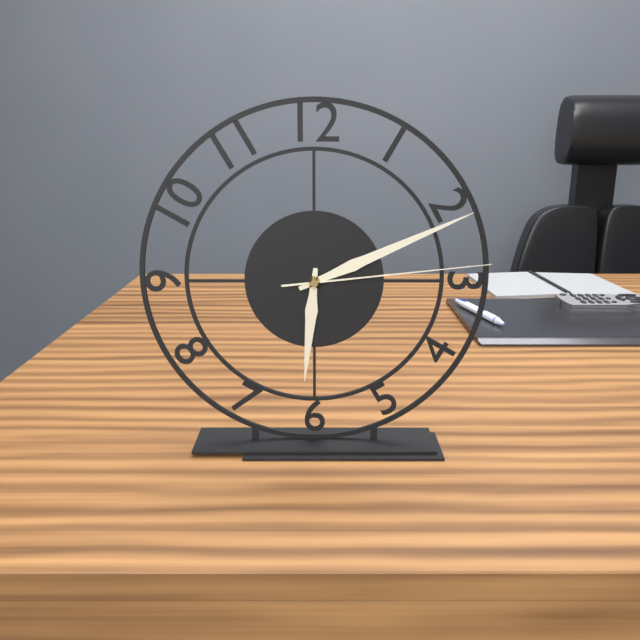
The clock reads 6h11m14s
